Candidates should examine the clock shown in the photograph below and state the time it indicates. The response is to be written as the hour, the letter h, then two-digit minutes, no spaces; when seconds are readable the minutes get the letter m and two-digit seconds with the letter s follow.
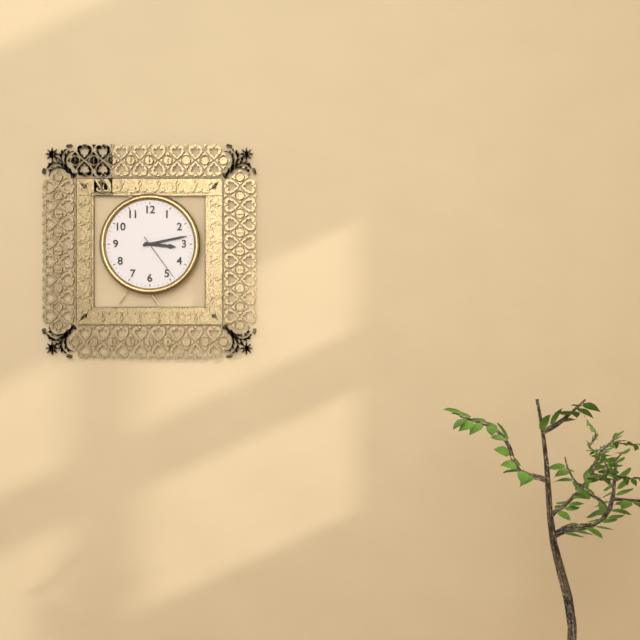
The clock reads 3h13m24s
